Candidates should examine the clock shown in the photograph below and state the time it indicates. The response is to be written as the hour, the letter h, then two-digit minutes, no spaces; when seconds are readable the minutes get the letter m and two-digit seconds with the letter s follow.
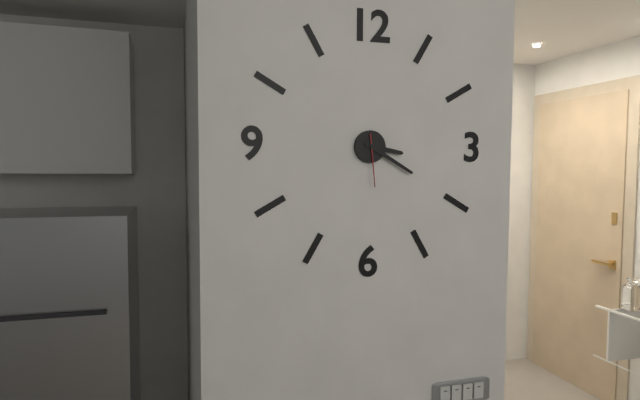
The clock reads 3h20m29s
